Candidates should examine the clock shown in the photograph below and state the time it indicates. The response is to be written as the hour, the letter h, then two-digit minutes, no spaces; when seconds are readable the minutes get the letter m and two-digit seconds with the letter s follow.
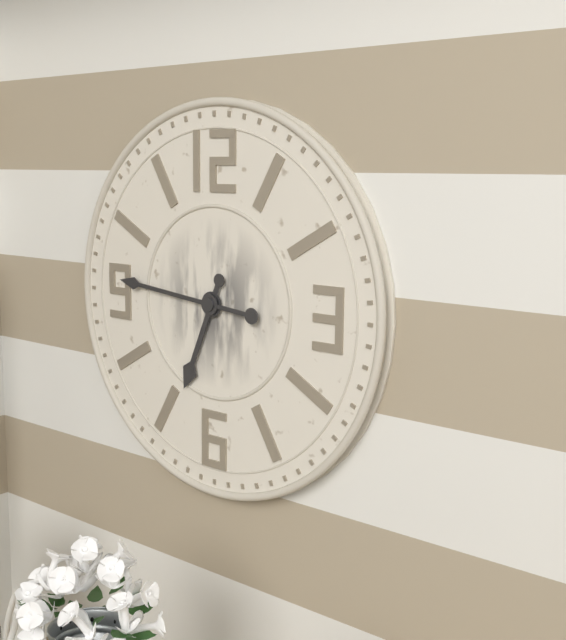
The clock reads 6h46
